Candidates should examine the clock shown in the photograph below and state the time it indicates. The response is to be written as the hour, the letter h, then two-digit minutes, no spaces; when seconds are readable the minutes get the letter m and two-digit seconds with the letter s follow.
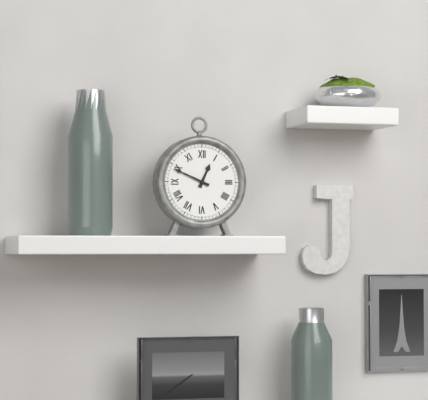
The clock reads 12h49
